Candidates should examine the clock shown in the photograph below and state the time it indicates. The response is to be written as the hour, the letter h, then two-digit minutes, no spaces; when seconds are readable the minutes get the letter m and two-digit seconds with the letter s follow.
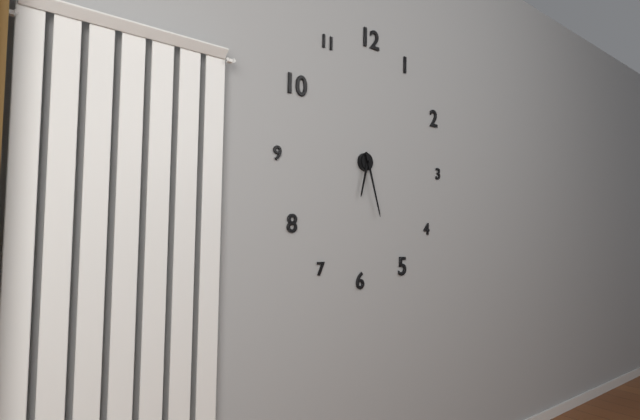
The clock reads 6h27
